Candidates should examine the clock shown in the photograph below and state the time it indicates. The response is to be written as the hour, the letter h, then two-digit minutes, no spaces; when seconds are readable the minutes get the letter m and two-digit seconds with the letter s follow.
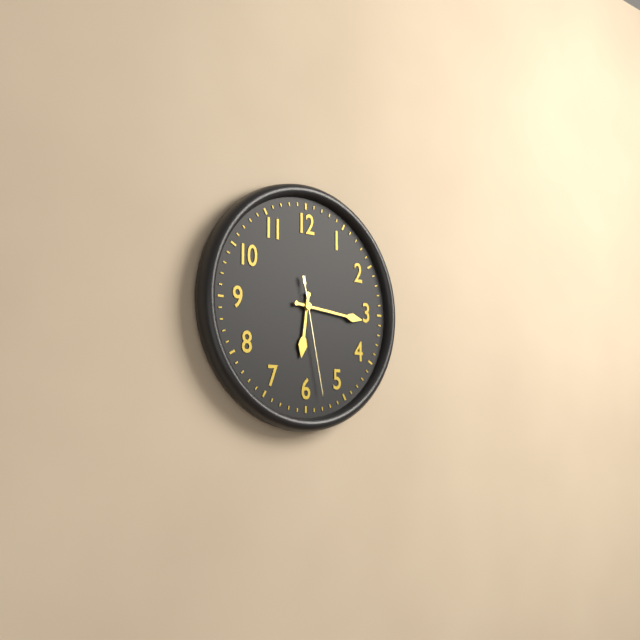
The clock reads 6h16m28s
